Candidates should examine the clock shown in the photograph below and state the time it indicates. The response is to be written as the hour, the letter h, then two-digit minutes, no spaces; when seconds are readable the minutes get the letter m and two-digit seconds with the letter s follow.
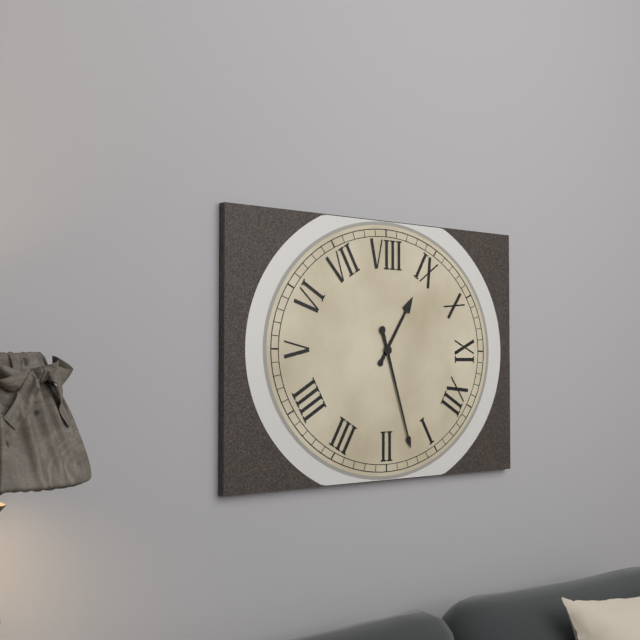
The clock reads 9h07
